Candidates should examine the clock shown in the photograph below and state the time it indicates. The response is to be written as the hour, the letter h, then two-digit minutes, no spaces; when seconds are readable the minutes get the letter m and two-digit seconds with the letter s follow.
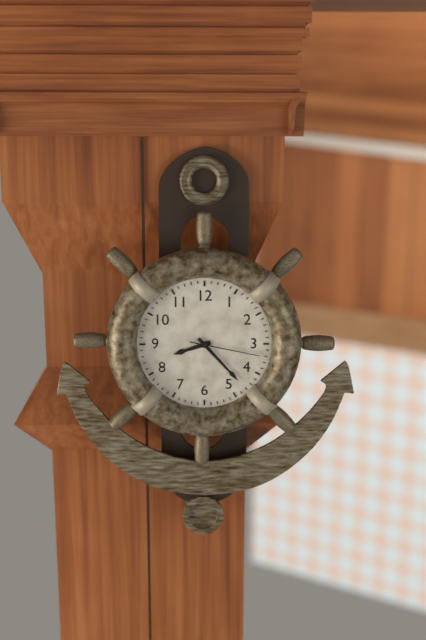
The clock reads 8h23m17s
